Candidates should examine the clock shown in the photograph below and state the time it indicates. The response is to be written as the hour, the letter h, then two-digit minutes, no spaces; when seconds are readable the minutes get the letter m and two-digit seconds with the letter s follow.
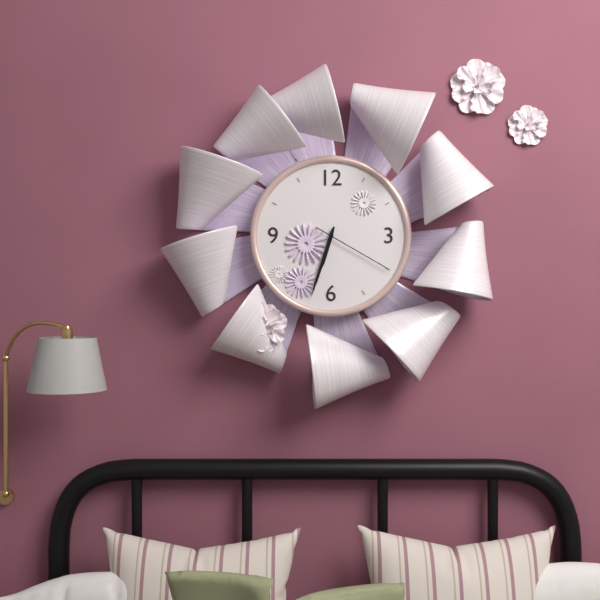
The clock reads 6h33m20s
